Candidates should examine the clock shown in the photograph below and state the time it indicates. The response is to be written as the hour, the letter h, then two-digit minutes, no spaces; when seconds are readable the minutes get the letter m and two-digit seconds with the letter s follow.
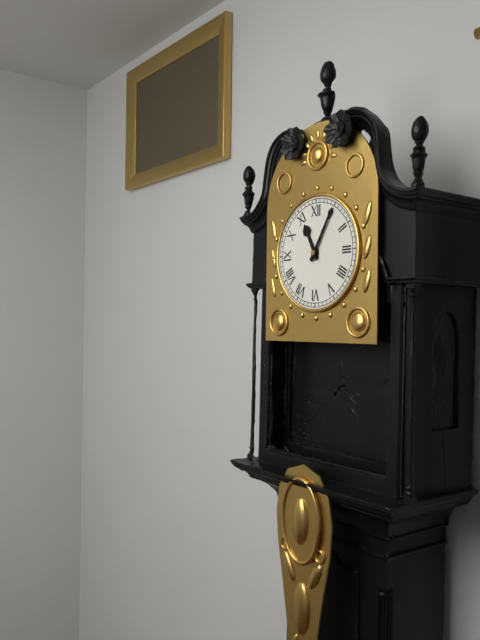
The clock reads 11h05
